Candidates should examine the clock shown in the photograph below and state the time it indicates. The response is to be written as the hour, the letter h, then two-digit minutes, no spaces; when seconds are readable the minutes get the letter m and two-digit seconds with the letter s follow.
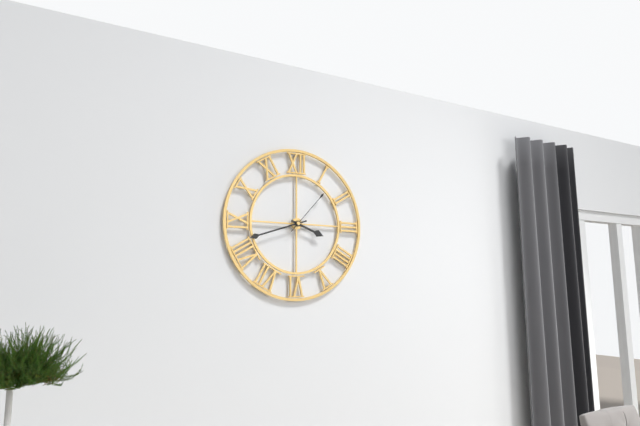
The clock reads 3h42
